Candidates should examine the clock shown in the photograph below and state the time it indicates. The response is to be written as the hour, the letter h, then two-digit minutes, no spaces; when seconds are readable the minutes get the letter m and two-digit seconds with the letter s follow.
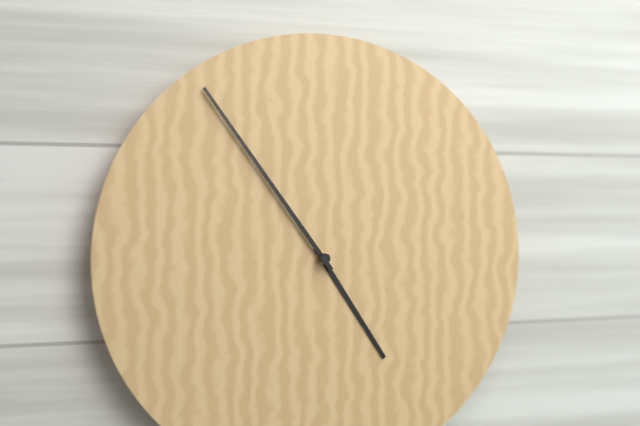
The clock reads 4h54
